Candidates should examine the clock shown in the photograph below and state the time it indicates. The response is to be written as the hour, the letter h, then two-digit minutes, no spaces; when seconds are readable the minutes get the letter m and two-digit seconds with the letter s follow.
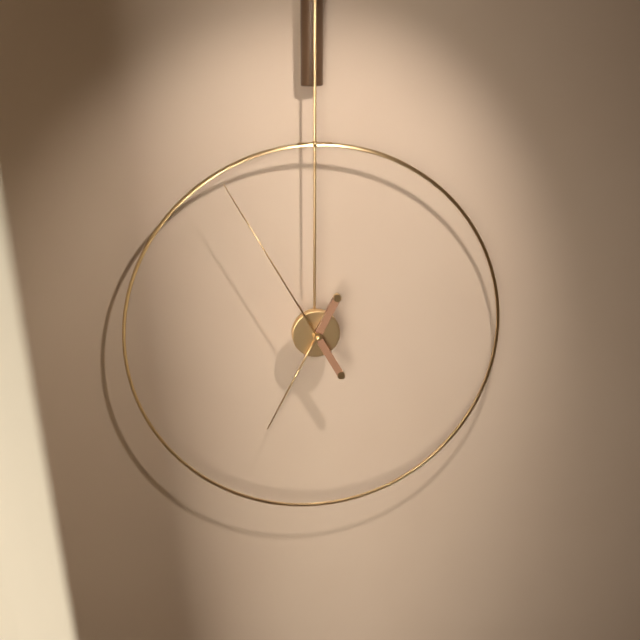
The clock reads 6h55
